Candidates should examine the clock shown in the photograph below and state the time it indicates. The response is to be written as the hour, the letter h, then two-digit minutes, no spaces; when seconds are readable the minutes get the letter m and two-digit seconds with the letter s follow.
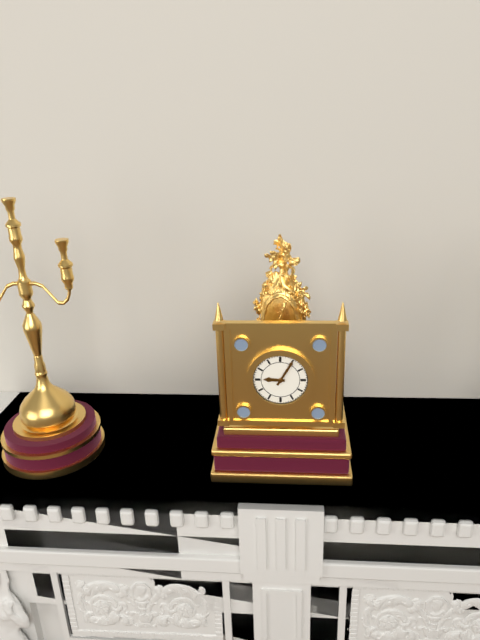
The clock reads 9h05
